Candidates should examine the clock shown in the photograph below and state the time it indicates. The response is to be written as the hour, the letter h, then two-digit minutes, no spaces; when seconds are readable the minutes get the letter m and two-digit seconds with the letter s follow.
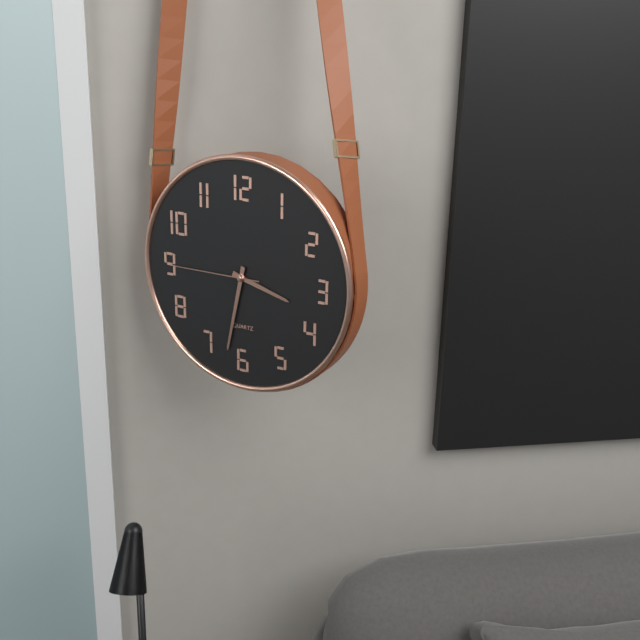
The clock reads 3h32m45s
